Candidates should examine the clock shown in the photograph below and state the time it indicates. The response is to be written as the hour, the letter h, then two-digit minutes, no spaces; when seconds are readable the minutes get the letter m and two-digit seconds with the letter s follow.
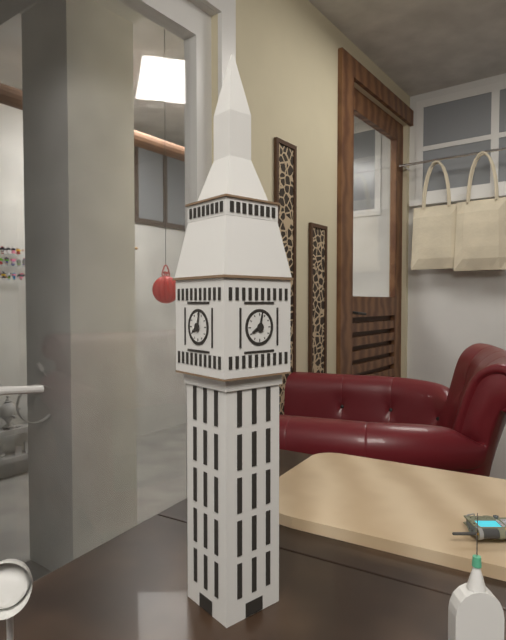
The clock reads 8h02
